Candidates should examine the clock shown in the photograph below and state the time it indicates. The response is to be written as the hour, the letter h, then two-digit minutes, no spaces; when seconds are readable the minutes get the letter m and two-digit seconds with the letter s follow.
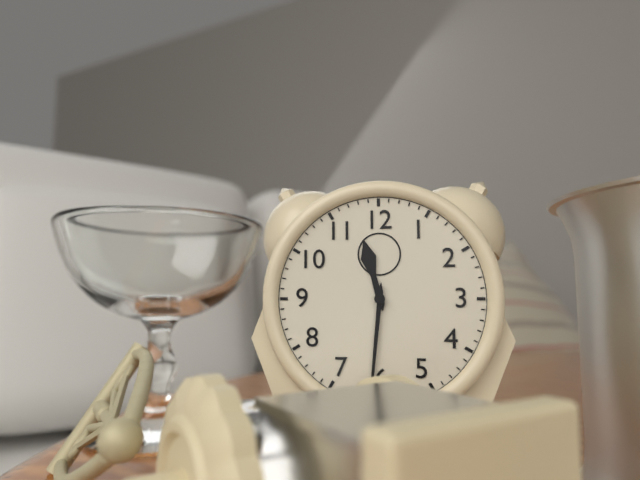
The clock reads 11h31
